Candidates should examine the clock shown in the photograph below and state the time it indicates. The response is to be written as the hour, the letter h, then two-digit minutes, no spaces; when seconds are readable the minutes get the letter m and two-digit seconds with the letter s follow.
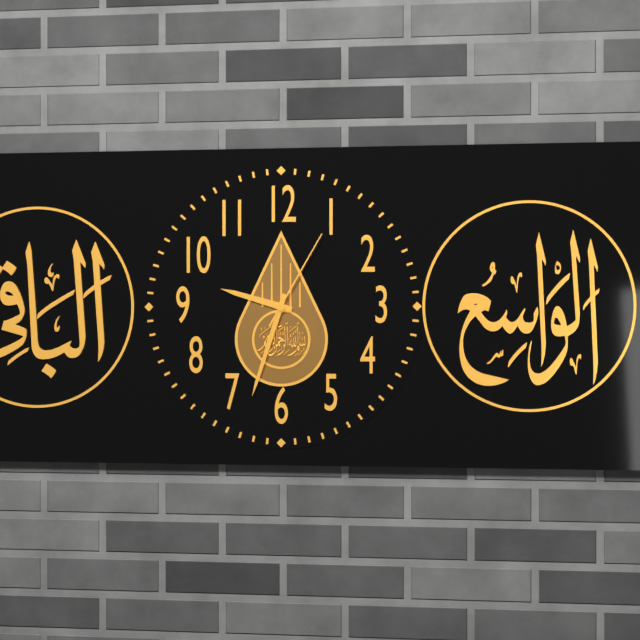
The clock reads 9h33m05s
